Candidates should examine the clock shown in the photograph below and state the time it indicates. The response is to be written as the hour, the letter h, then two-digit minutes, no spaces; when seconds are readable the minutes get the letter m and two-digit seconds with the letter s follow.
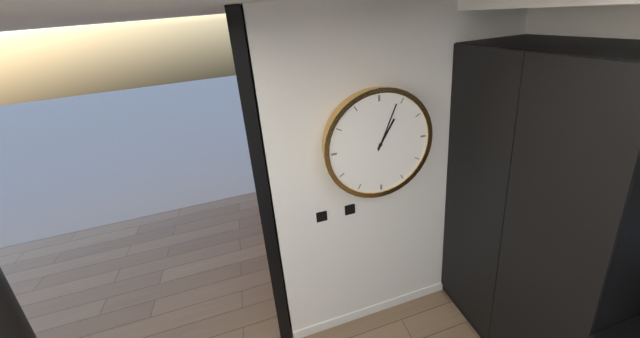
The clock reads 1h04
